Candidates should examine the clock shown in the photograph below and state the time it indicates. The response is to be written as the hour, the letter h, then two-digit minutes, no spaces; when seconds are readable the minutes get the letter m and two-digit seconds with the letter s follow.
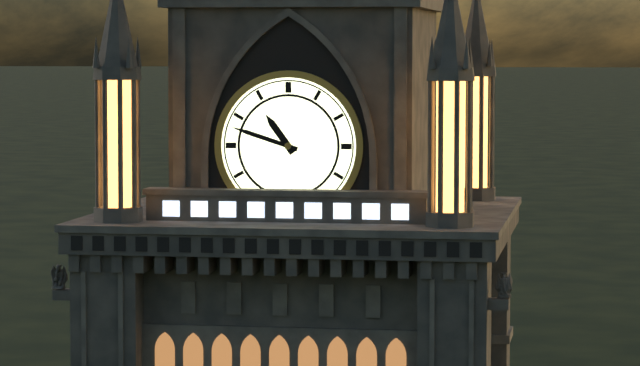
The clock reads 10h48
